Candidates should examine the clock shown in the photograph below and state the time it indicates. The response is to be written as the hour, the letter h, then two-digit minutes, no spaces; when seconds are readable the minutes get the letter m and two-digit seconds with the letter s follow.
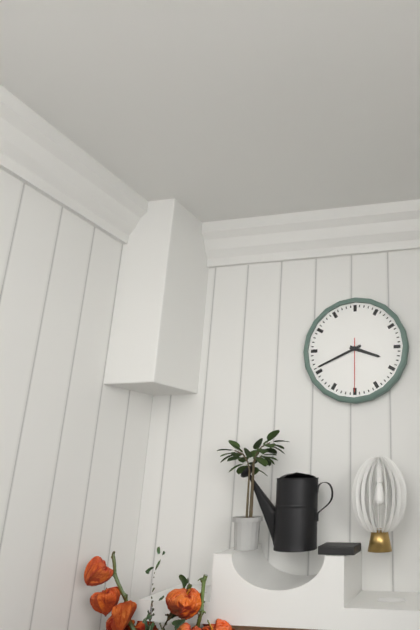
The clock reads 3h41m30s
